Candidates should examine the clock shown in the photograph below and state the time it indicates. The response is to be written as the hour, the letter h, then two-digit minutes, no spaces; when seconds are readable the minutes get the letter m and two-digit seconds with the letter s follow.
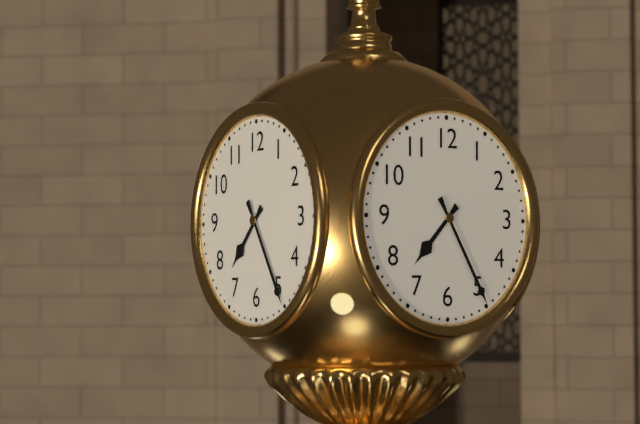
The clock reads 7h25
